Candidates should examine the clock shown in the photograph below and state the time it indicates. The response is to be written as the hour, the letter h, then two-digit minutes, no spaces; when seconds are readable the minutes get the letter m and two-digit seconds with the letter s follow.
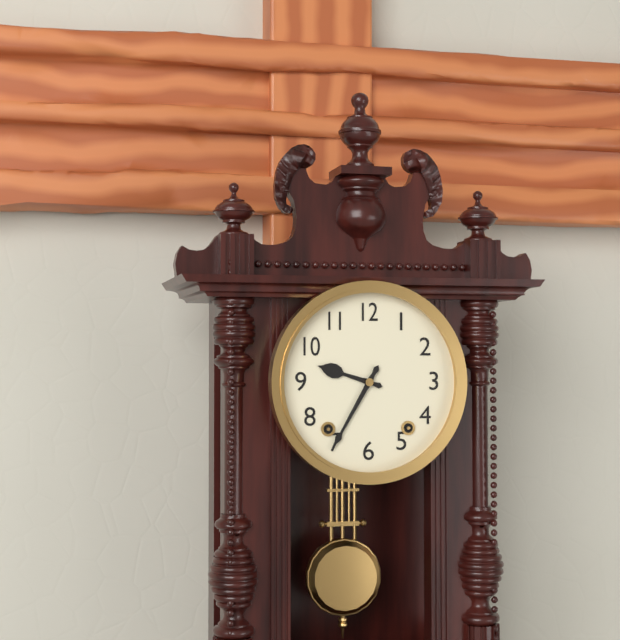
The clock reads 9h35
